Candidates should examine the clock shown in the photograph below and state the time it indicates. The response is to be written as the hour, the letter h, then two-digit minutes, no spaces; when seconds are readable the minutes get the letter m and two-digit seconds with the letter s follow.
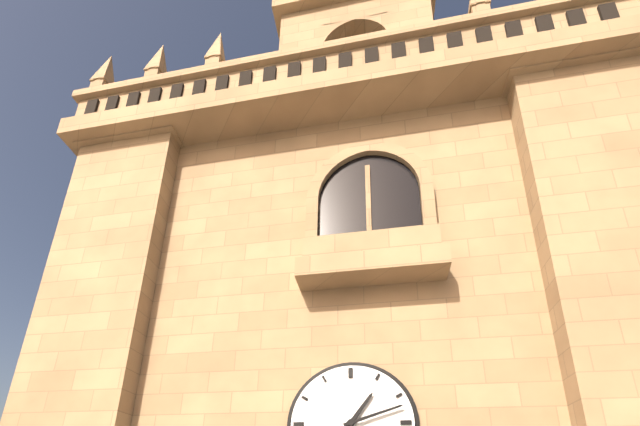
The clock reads 1h12
